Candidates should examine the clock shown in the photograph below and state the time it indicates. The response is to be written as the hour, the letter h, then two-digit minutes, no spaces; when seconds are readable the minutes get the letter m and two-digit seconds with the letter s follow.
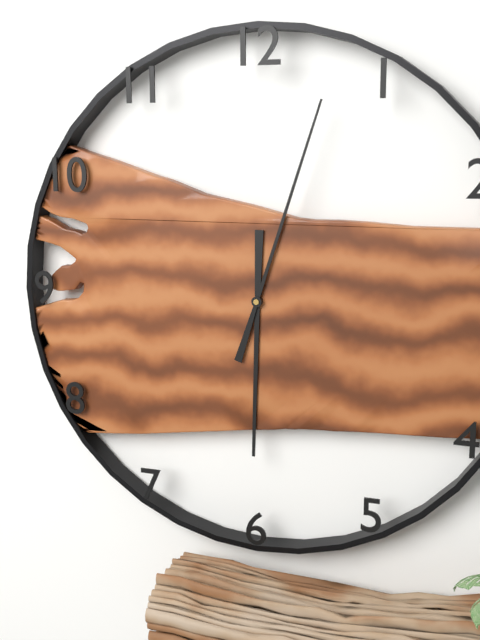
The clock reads 6h03
